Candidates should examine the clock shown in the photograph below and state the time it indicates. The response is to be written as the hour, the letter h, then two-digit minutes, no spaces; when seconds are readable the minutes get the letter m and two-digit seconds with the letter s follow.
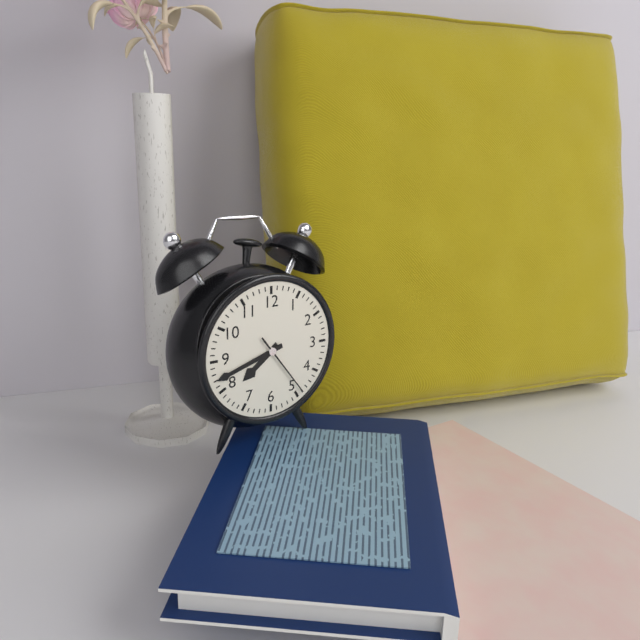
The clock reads 7h42m24s
